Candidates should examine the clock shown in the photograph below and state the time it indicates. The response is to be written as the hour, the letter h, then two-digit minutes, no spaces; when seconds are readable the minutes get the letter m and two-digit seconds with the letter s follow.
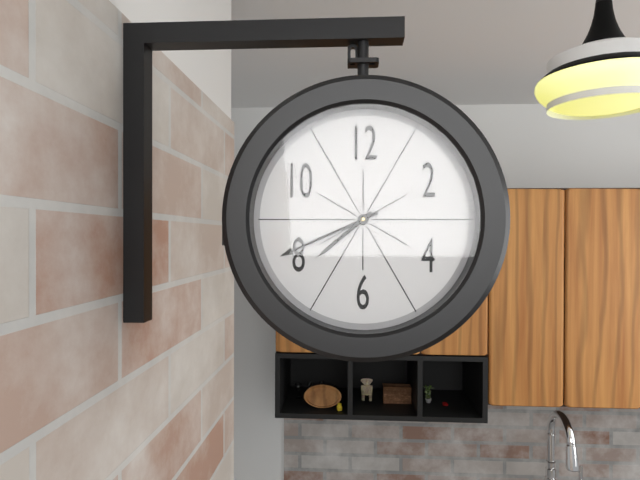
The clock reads 7h41
